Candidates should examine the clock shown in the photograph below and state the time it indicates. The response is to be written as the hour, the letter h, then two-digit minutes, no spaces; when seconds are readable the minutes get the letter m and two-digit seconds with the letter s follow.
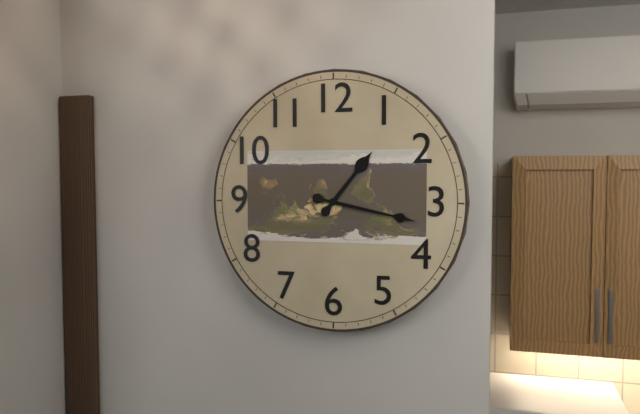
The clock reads 1h17
